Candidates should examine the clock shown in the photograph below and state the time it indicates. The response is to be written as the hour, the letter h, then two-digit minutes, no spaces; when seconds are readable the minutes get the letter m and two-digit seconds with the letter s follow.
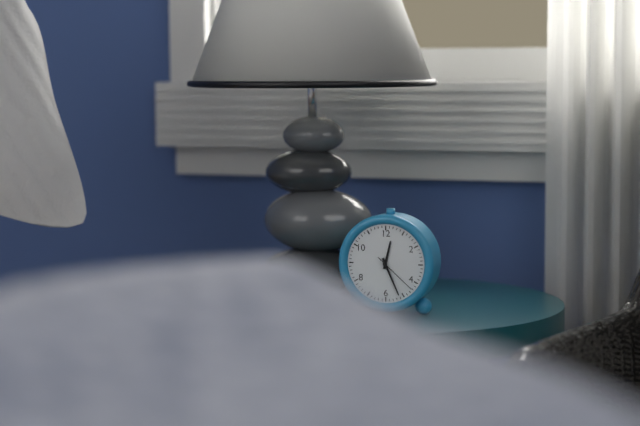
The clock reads 12h26
